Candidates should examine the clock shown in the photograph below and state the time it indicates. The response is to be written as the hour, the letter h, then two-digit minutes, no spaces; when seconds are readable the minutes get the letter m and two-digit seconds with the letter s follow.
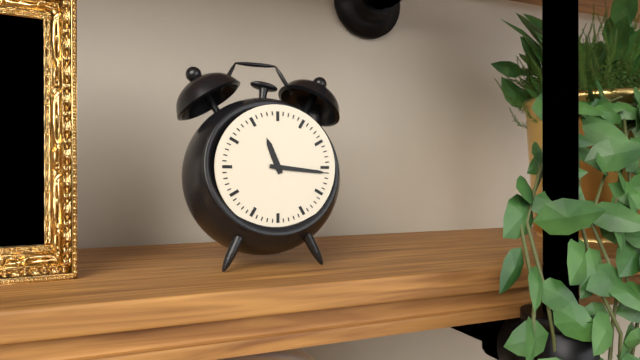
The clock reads 11h16
